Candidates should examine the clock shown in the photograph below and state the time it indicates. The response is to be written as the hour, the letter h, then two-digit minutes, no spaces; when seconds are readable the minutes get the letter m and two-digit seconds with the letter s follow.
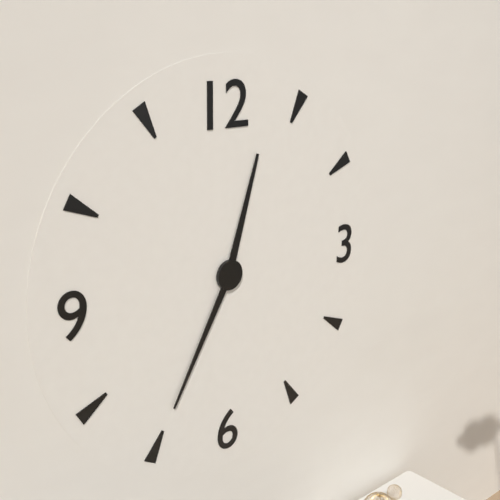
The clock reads 12h35
